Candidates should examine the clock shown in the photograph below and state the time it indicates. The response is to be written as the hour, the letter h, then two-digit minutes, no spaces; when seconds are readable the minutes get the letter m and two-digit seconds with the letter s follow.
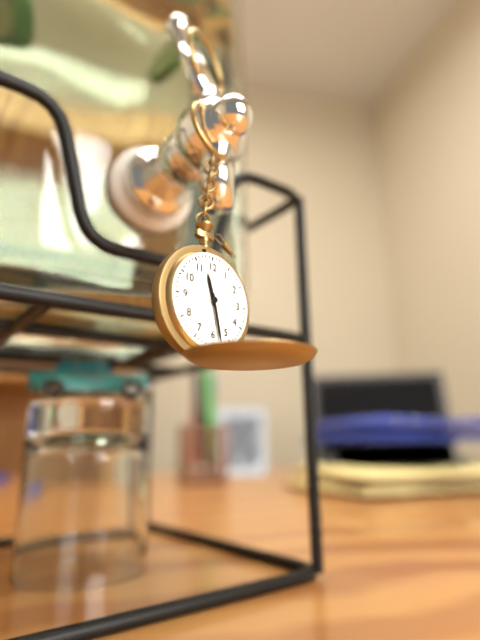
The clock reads 11h28
